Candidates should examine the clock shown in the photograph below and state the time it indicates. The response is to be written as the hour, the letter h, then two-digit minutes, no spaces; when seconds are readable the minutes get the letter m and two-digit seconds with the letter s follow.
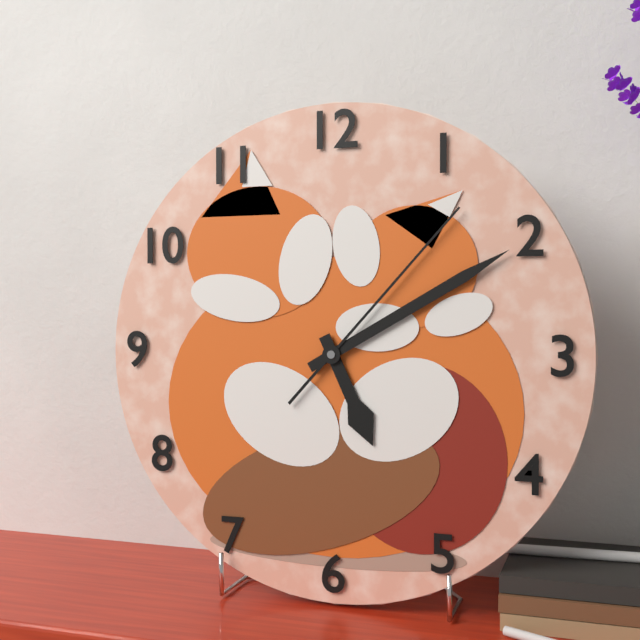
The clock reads 5h10m07s
